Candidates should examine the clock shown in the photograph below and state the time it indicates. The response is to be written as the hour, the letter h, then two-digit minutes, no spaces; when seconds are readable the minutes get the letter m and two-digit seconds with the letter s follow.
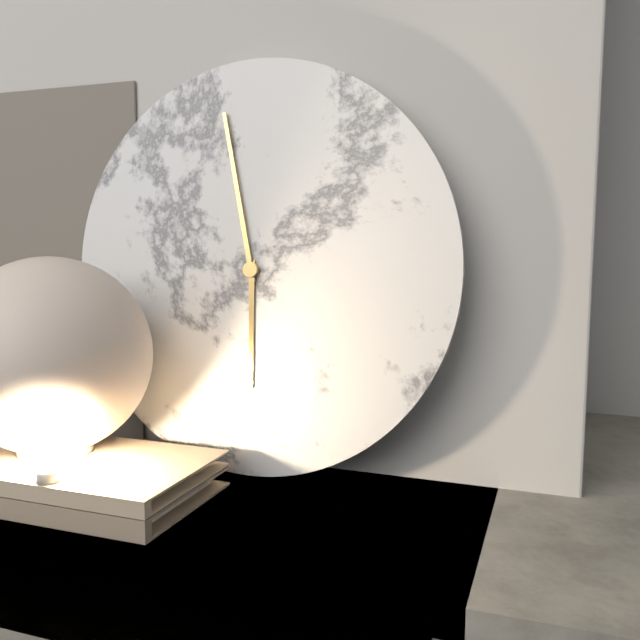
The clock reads 5h58
